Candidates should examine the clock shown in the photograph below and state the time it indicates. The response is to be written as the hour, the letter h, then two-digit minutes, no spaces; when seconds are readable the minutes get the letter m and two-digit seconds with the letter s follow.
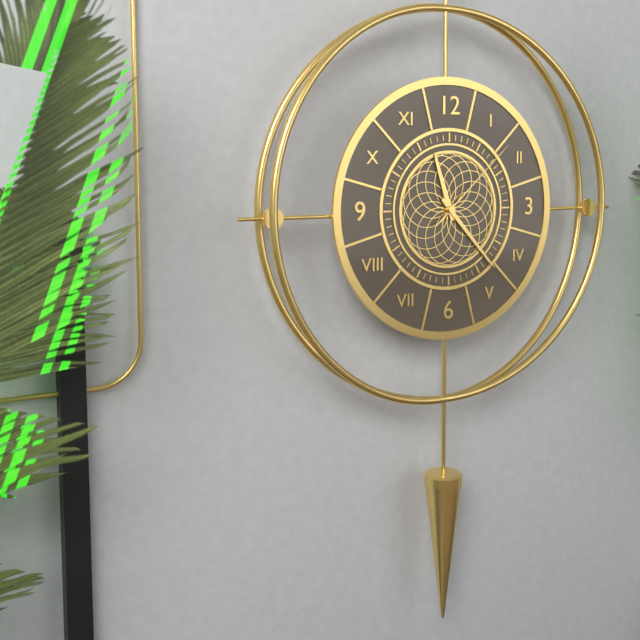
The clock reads 11h23m08s
